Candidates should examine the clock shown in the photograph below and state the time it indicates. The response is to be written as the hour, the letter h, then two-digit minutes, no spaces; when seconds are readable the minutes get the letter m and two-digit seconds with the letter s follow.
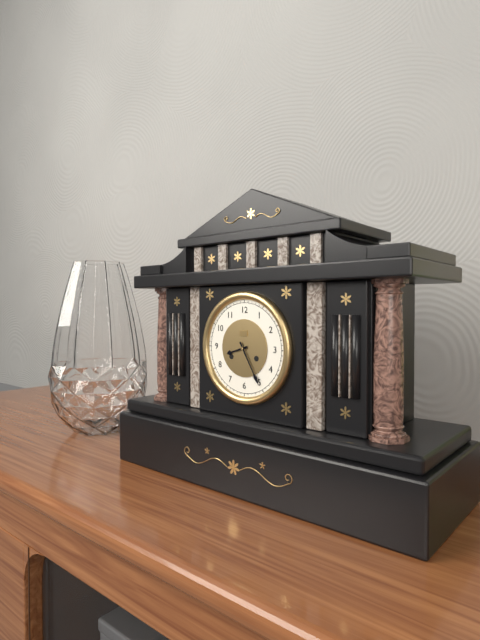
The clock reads 8h25
